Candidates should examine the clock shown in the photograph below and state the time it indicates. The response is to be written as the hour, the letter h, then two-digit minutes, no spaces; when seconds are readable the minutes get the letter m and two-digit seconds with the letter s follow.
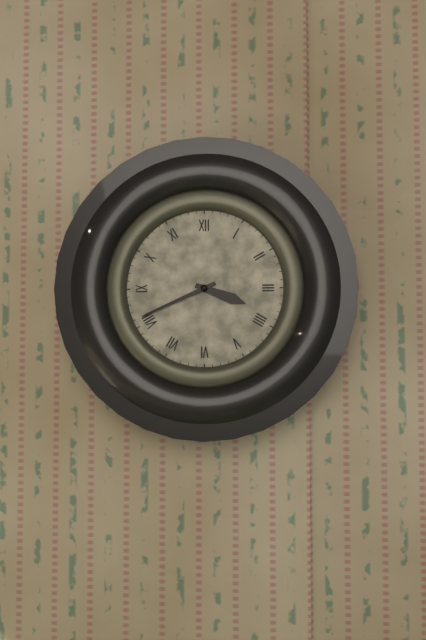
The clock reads 3h41
